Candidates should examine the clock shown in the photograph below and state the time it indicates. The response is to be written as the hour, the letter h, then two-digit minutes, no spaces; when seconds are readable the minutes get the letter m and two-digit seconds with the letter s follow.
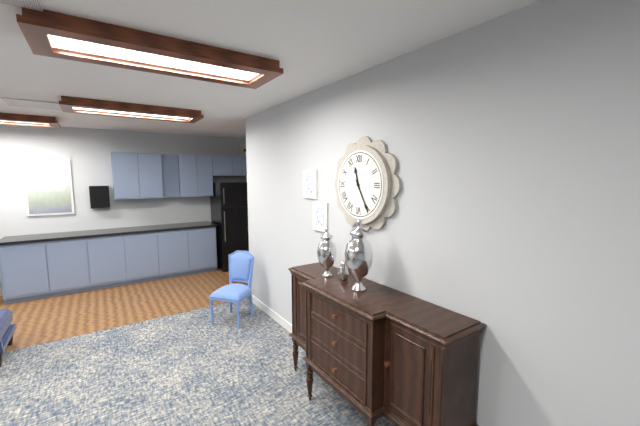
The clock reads 11h25
